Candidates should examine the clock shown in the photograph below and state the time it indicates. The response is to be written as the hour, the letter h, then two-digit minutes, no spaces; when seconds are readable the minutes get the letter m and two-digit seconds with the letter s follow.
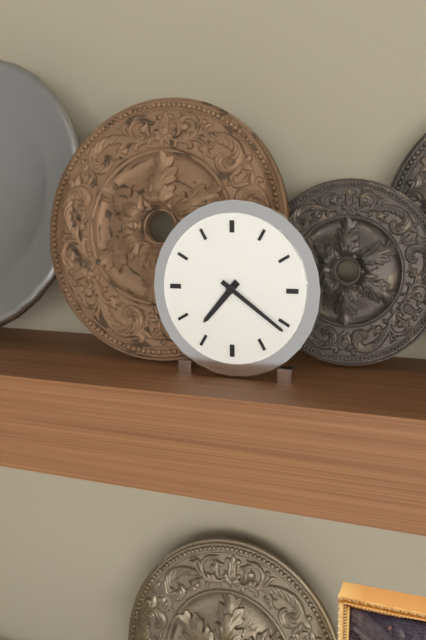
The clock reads 7h21
